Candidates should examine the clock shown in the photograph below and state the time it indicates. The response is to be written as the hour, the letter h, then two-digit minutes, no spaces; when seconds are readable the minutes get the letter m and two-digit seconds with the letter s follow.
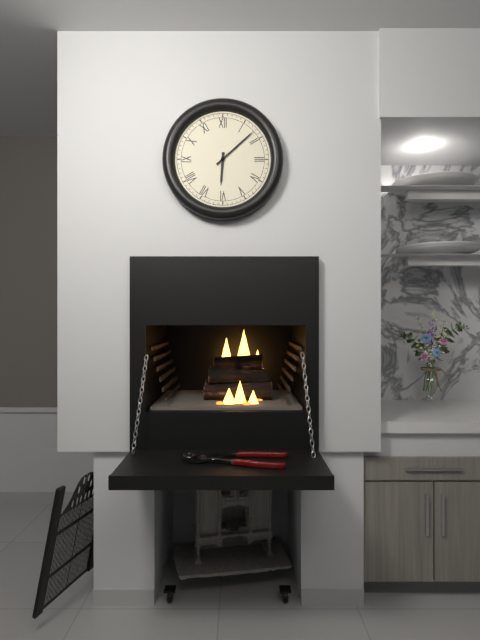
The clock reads 6h08
